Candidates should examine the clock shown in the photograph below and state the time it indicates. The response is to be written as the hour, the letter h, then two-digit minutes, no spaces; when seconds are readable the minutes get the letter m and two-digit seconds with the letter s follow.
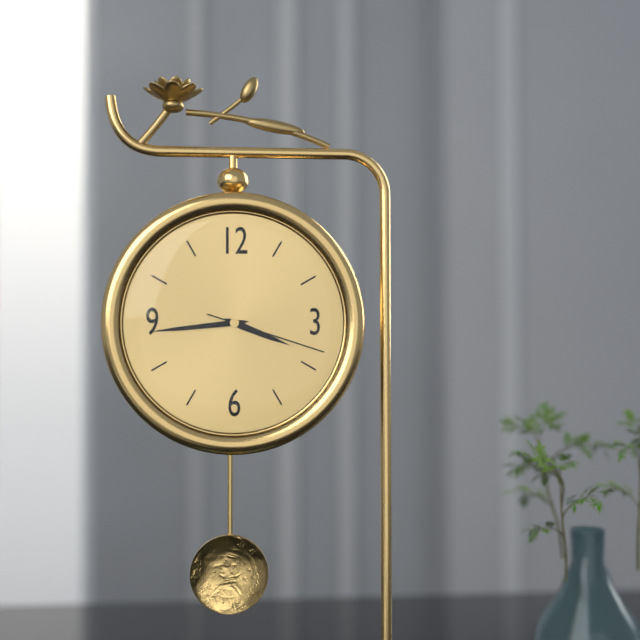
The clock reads 3h44m18s
